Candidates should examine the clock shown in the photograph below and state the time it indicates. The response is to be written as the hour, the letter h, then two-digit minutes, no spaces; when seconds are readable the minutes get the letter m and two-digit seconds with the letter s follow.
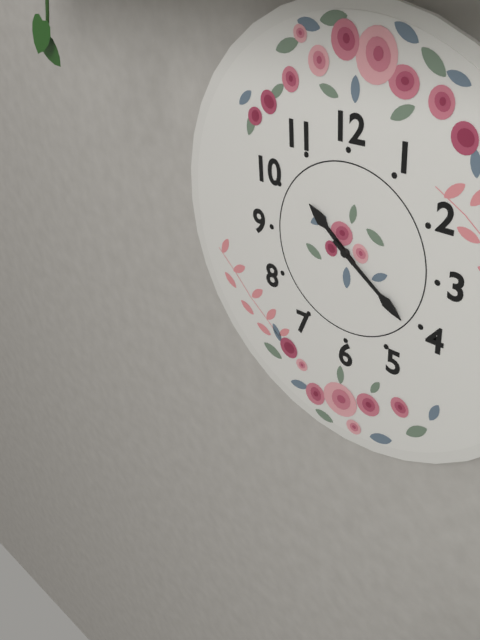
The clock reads 10h21
